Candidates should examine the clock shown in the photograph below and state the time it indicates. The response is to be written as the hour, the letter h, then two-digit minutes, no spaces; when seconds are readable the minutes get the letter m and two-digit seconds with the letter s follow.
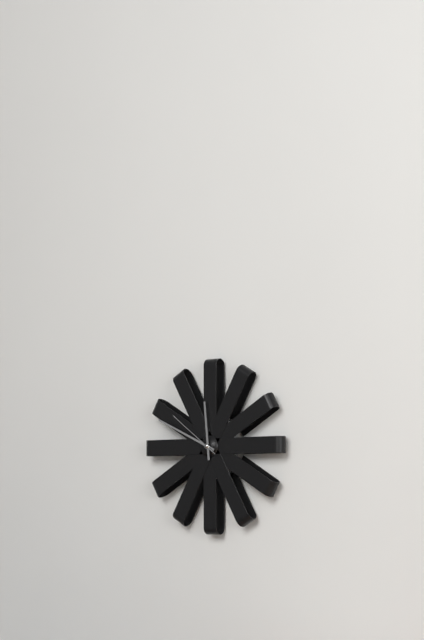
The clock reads 11h49m51s
